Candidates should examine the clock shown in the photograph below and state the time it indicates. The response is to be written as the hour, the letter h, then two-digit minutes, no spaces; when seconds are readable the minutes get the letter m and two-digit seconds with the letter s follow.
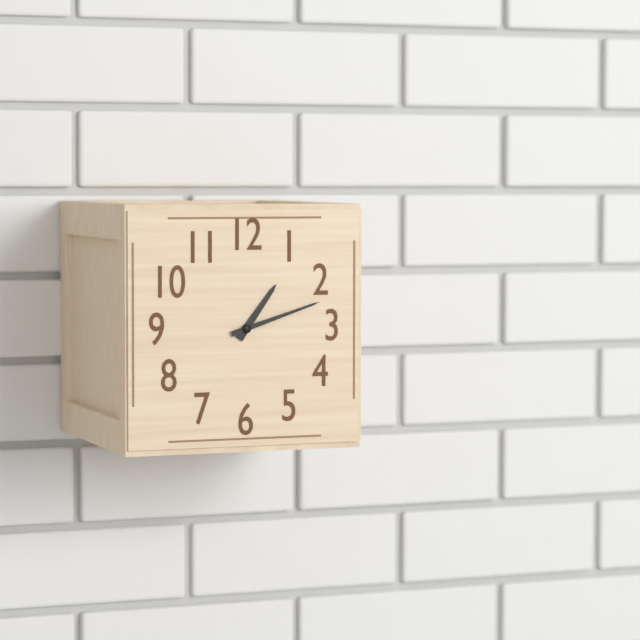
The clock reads 1h12
